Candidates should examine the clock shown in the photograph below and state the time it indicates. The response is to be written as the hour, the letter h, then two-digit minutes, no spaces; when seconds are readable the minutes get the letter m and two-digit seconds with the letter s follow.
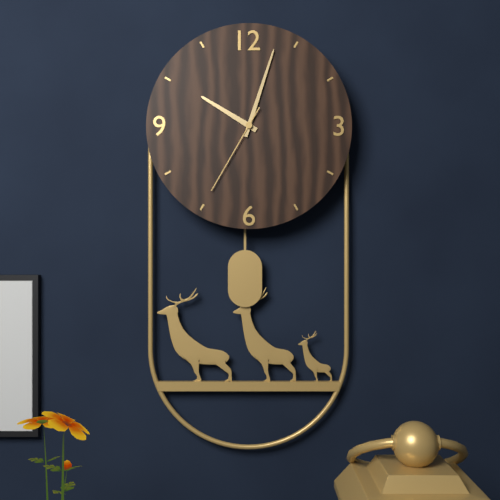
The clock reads 10h03m35s
